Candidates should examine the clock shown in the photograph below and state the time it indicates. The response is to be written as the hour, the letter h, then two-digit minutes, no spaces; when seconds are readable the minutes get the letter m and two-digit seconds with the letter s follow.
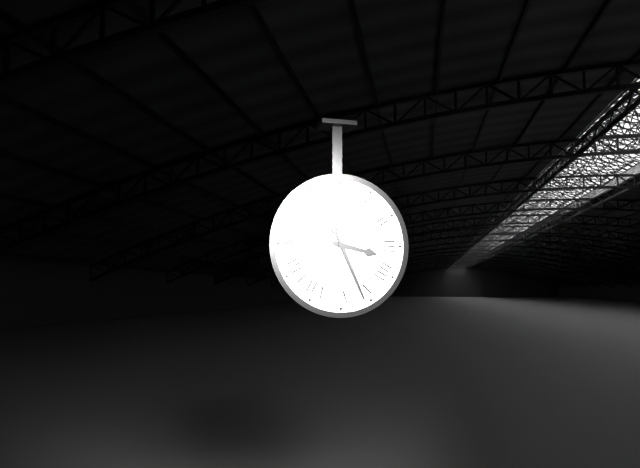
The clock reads 3h26
